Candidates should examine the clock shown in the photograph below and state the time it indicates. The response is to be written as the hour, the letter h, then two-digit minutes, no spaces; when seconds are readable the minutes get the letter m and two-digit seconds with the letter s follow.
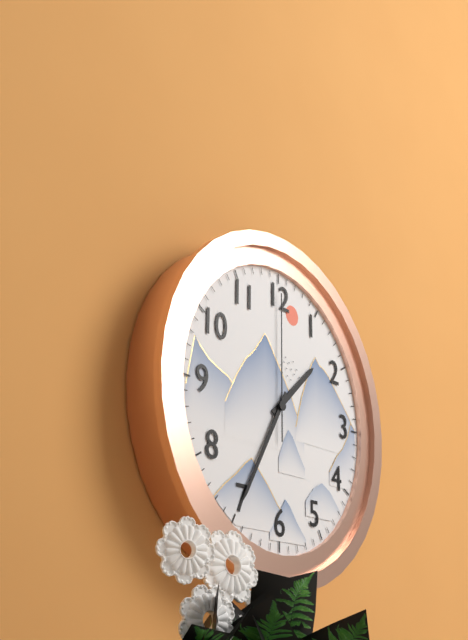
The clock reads 1h35m00s
